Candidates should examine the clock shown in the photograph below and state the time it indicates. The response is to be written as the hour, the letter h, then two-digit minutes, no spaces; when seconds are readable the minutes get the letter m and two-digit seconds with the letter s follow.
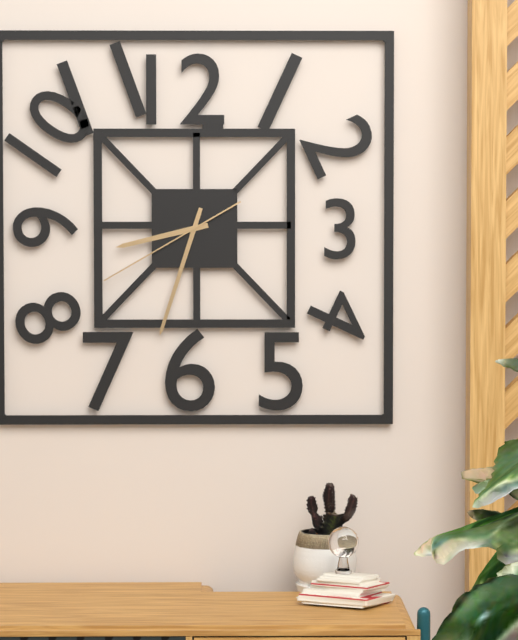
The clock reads 8h33m40s
